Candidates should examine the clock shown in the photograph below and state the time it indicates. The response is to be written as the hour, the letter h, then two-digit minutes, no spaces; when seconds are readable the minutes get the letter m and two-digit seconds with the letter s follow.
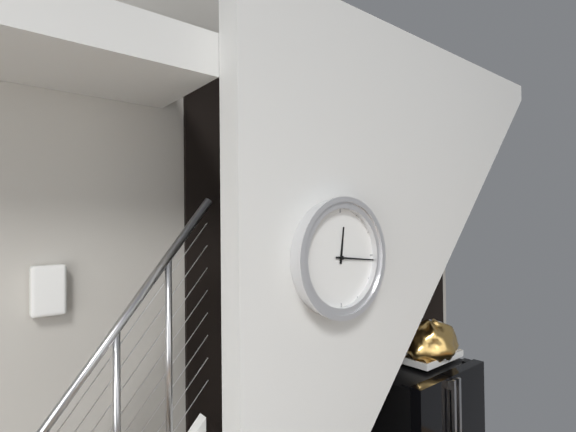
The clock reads 12h16
